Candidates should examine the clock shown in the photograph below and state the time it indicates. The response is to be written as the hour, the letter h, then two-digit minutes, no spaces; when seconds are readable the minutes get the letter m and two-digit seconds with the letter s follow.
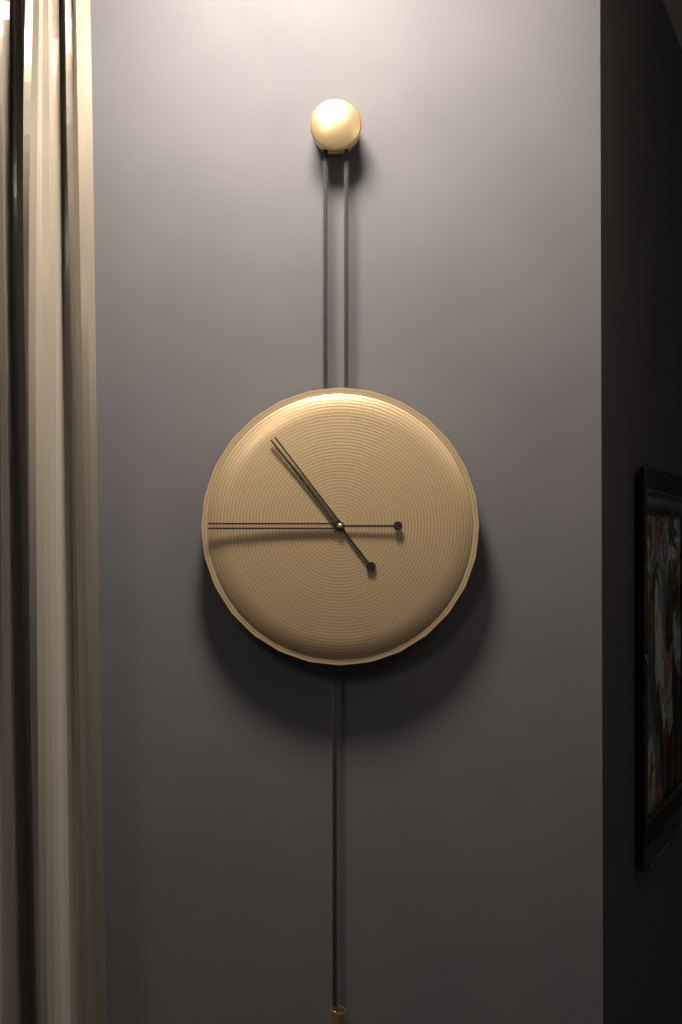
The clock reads 10h45
